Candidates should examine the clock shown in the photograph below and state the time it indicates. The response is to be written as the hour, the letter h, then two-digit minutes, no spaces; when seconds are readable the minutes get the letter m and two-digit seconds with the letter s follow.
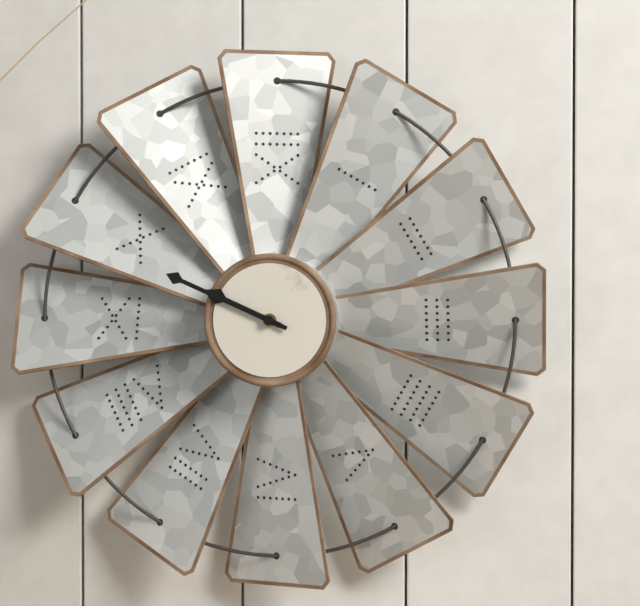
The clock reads 9h49
